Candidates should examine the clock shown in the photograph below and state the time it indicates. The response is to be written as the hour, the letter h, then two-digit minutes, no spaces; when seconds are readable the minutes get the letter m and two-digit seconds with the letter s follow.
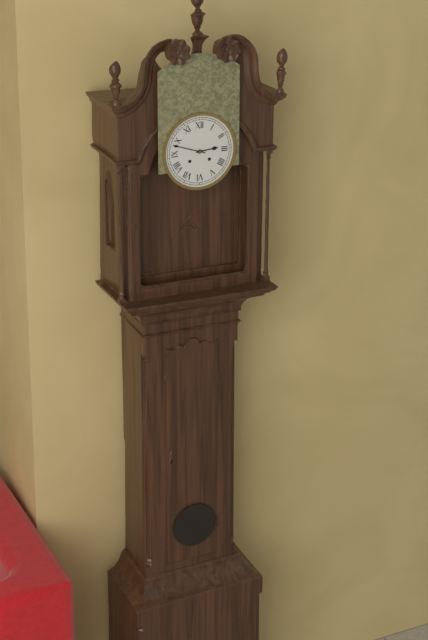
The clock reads 2h48
